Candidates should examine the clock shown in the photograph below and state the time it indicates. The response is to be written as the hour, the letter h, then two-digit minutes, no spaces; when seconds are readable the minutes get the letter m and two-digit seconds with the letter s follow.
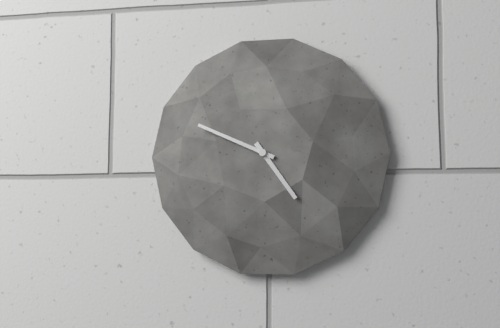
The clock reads 4h49
